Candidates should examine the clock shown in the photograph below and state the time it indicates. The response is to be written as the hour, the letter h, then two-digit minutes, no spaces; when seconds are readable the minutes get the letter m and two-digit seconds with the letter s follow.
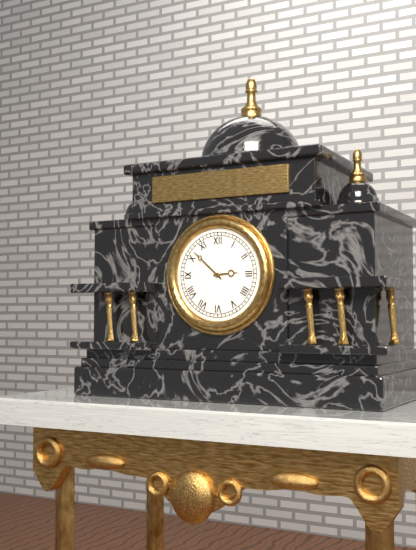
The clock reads 2h52
